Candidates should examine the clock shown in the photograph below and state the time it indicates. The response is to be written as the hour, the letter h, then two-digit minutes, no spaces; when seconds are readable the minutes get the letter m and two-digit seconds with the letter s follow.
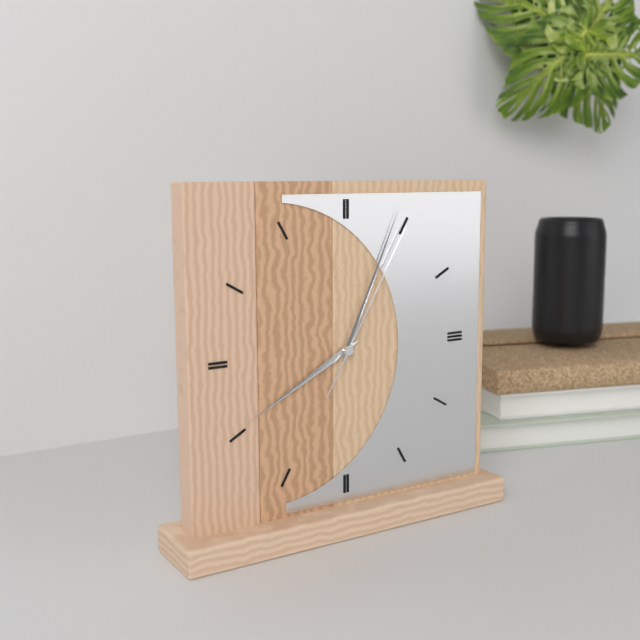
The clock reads 8h04m05s
